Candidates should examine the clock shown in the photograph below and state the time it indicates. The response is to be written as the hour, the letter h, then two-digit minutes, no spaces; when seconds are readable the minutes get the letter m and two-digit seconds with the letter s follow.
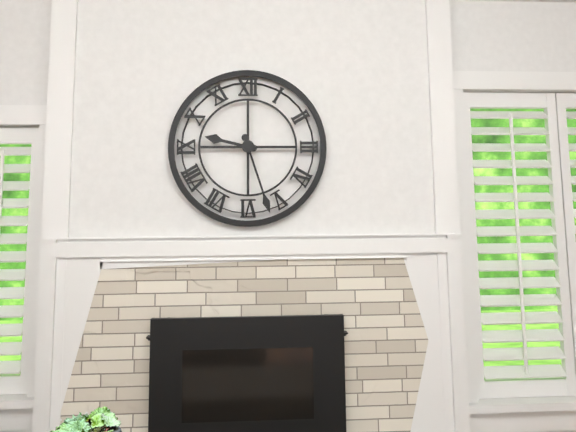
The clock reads 9h27
